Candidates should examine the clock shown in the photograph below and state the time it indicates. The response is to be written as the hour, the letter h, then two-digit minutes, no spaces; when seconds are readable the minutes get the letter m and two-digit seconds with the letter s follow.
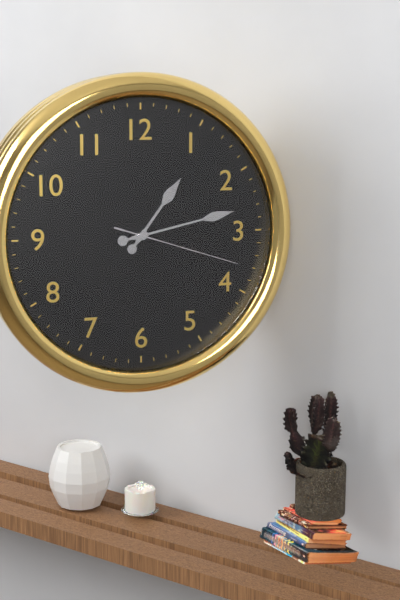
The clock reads 1h13m18s
